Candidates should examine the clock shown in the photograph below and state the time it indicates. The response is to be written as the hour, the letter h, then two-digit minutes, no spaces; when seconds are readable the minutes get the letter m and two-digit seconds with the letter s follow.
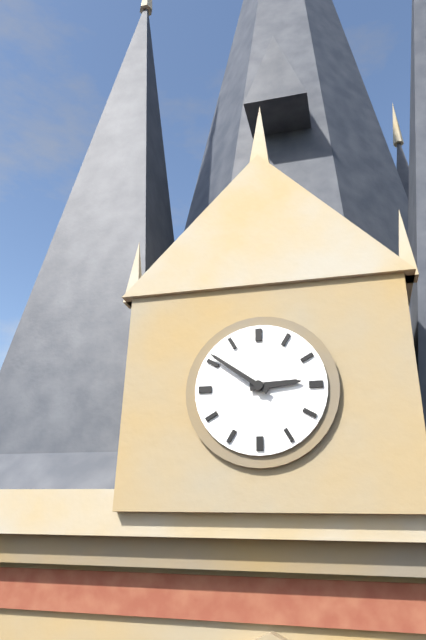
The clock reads 2h51
